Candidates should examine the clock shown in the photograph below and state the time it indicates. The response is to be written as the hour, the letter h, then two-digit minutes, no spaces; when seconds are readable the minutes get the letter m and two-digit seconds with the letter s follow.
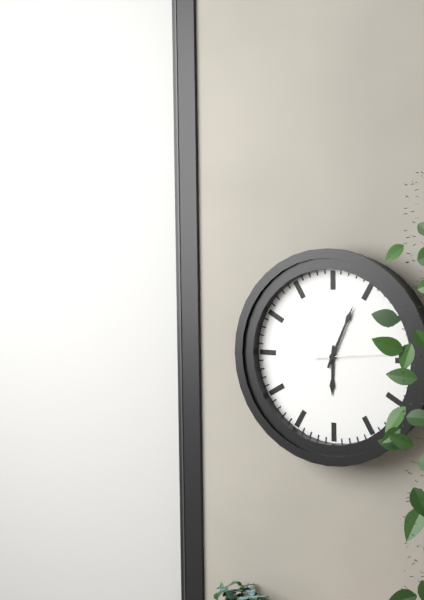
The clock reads 6h04
